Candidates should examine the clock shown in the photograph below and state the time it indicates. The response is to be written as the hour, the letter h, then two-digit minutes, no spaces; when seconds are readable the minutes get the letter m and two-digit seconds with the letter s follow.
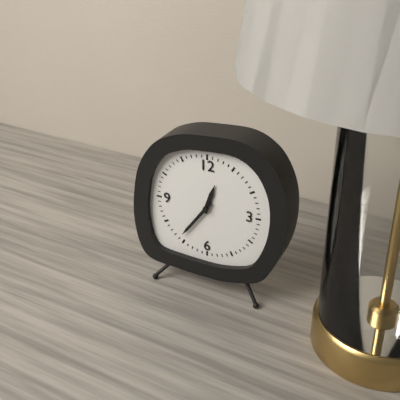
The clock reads 12h36
